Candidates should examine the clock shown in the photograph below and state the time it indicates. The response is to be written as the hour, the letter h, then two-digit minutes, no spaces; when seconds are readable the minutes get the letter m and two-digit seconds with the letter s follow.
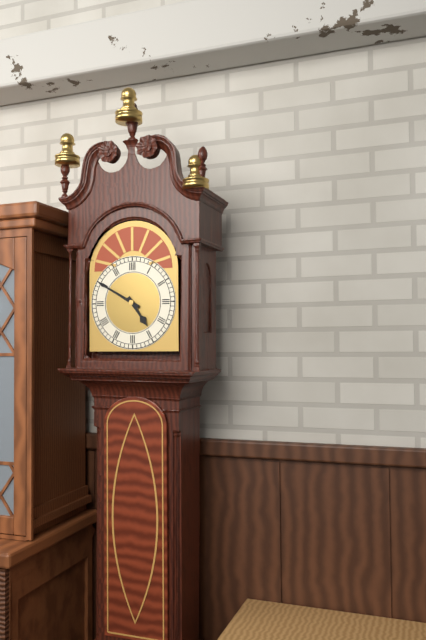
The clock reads 4h50
